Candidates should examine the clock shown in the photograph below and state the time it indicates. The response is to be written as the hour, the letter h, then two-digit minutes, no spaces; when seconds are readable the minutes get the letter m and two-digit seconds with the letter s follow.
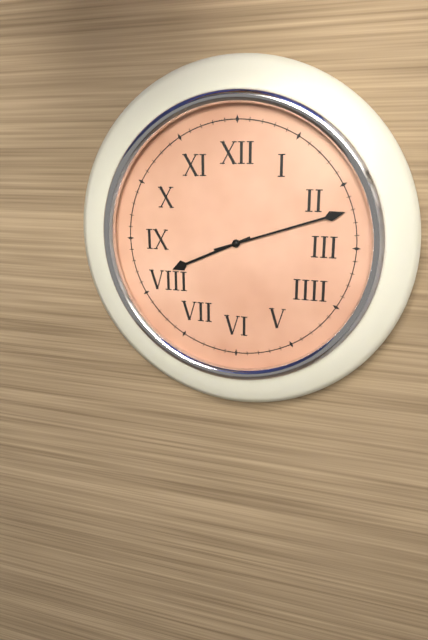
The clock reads 8h12
